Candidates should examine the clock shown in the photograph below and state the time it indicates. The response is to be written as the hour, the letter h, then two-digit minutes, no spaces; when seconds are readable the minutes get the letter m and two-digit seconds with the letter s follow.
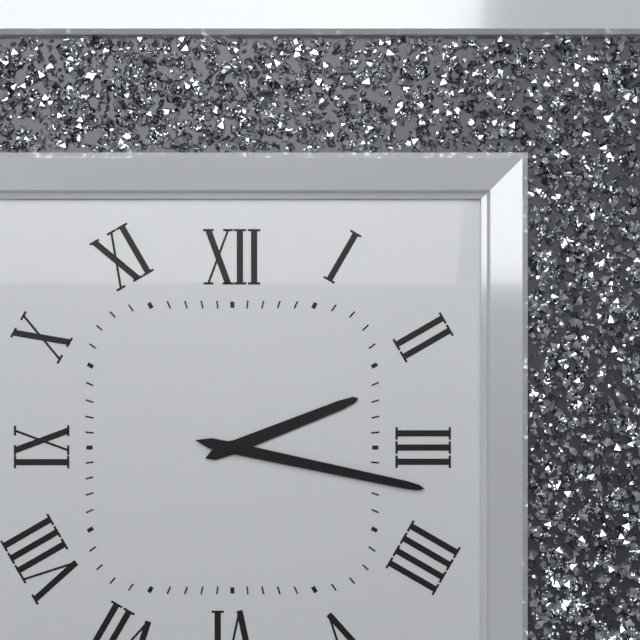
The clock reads 2h17
